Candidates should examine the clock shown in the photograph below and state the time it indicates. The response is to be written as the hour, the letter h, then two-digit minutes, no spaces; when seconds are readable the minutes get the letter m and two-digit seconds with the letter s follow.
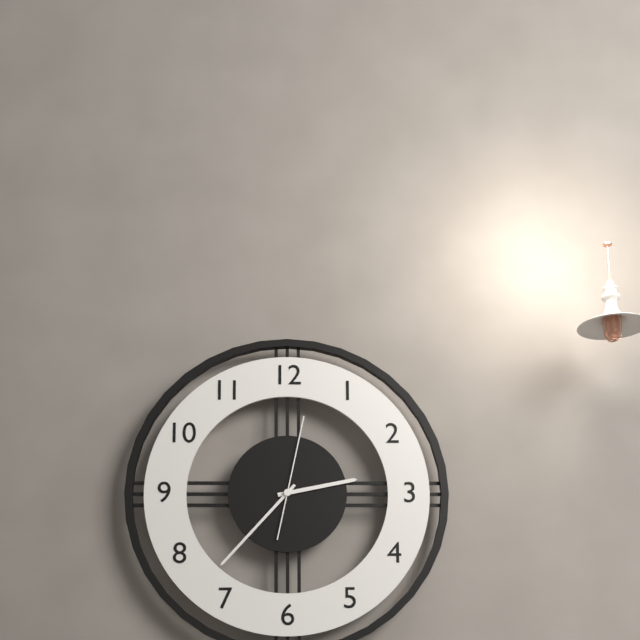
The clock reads 2h37m02s
